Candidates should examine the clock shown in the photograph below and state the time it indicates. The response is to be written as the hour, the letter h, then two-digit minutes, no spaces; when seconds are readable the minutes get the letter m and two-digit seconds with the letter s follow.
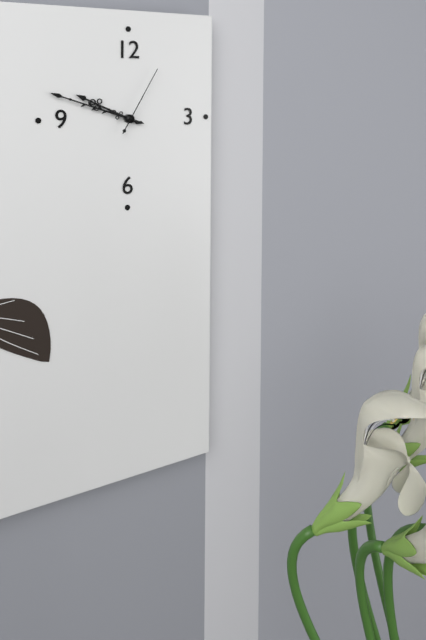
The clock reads 9h48m05s
